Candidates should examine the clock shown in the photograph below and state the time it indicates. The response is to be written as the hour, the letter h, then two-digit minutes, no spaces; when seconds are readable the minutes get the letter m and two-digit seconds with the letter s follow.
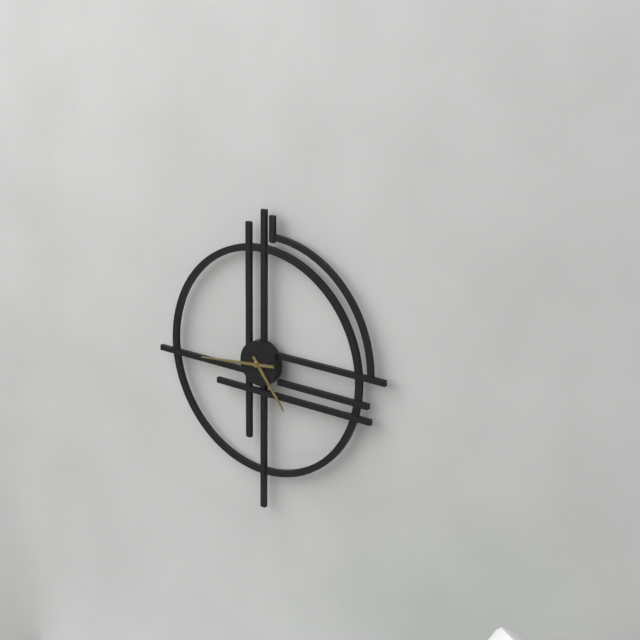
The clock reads 4h44
